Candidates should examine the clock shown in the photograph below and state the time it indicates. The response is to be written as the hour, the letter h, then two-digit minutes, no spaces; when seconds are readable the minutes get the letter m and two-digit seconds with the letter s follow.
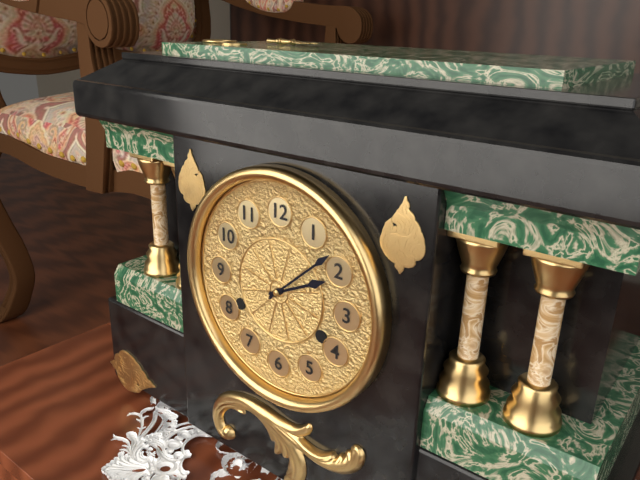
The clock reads 2h08
